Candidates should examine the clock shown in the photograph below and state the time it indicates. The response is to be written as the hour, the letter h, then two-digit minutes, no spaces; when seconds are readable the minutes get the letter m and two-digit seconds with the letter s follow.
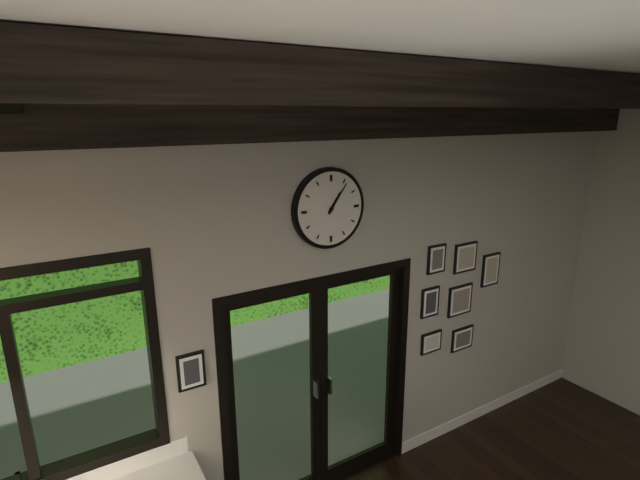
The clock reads 1h06
